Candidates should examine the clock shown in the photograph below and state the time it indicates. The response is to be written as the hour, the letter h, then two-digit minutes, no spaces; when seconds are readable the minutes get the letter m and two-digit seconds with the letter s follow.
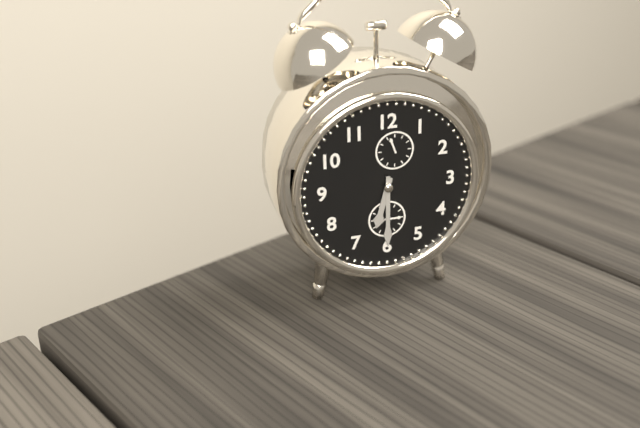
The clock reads 6h30
